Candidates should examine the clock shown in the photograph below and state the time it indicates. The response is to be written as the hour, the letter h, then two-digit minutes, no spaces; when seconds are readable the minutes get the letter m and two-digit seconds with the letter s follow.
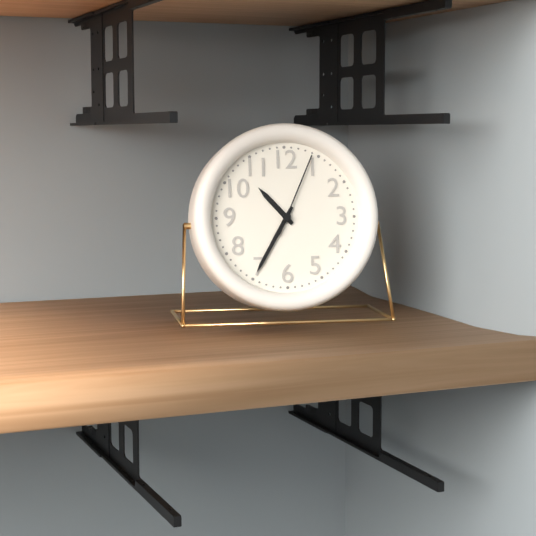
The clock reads 10h35m04s
